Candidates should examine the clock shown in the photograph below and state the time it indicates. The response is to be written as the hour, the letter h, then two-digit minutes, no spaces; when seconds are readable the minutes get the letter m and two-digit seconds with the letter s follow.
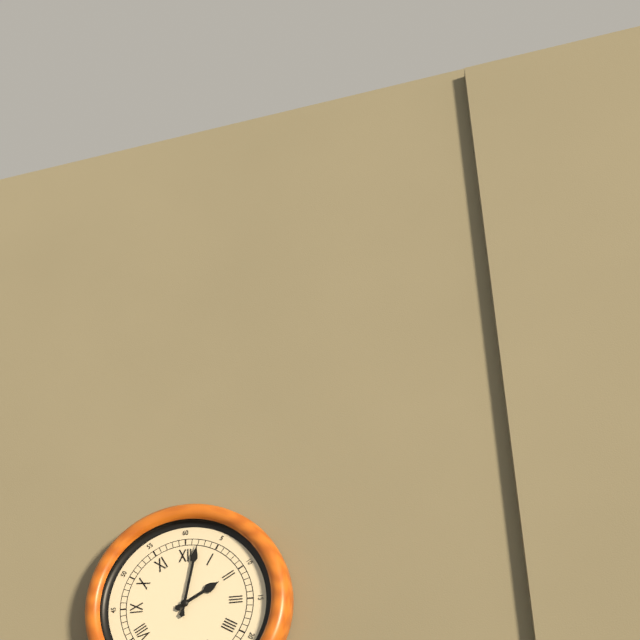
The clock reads 2h02
